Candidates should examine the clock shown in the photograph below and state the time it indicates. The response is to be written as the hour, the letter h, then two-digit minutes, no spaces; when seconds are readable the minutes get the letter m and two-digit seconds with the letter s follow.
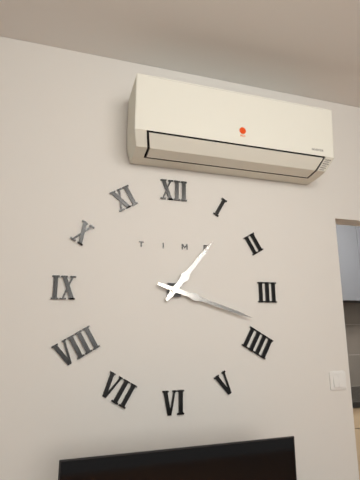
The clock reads 1h18
